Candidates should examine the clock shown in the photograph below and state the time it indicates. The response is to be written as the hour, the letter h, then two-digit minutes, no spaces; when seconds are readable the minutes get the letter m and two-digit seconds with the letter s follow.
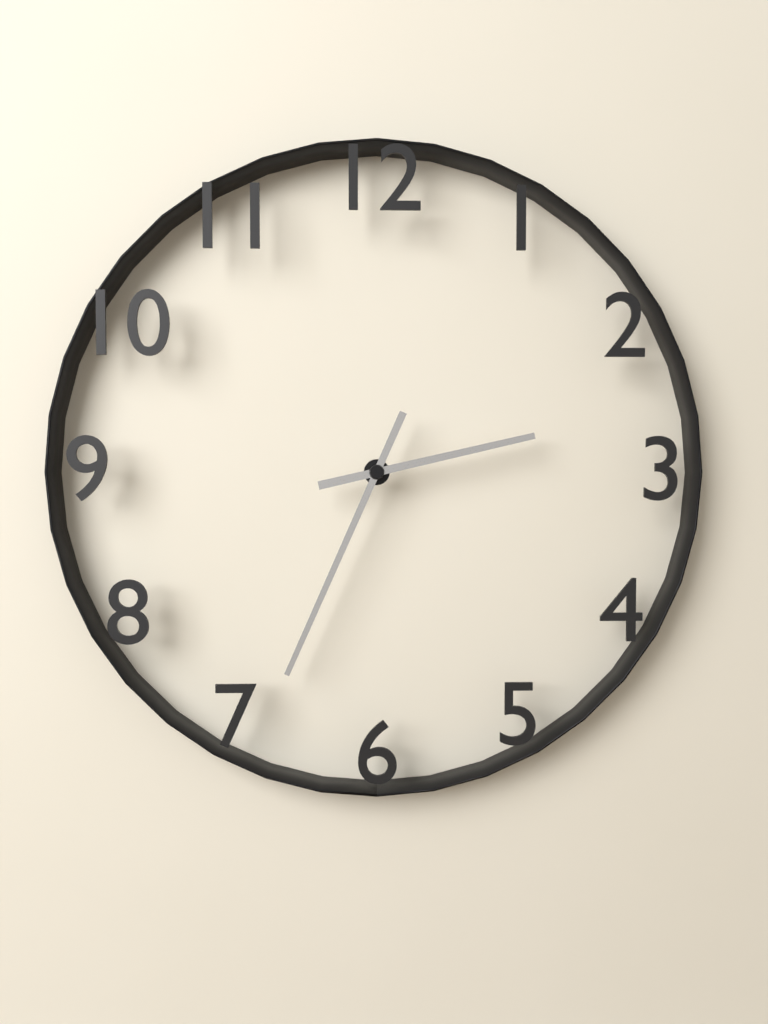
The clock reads 2h34
